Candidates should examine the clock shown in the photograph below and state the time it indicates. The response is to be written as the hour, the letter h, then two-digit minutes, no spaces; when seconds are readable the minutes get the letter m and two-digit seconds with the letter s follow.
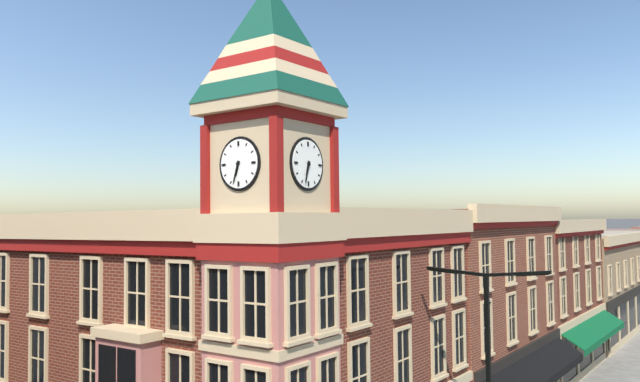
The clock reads 6h33
